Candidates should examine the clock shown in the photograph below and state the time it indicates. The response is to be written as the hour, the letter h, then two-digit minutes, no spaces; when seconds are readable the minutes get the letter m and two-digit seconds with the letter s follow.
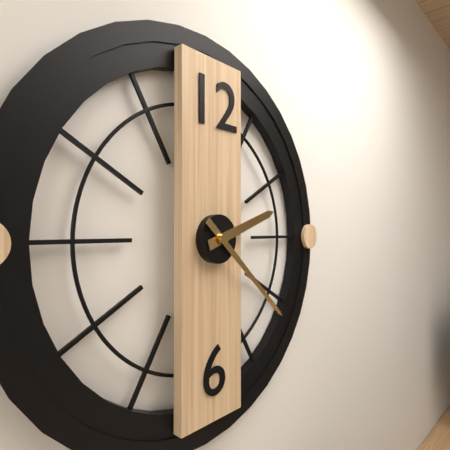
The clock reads 2h22
